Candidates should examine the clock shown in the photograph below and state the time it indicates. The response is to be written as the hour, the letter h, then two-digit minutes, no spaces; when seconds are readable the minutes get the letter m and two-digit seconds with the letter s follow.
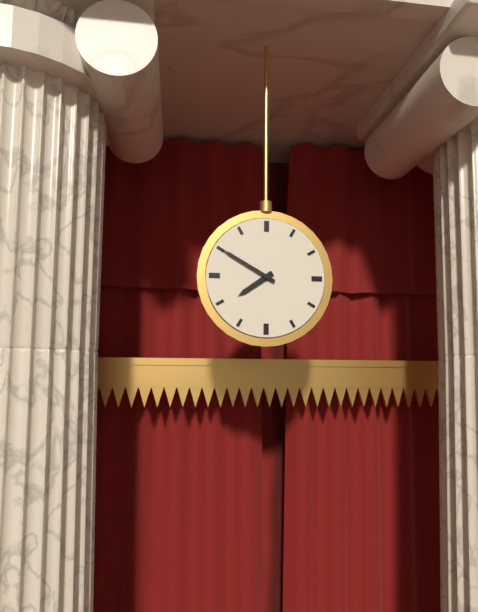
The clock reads 7h50
